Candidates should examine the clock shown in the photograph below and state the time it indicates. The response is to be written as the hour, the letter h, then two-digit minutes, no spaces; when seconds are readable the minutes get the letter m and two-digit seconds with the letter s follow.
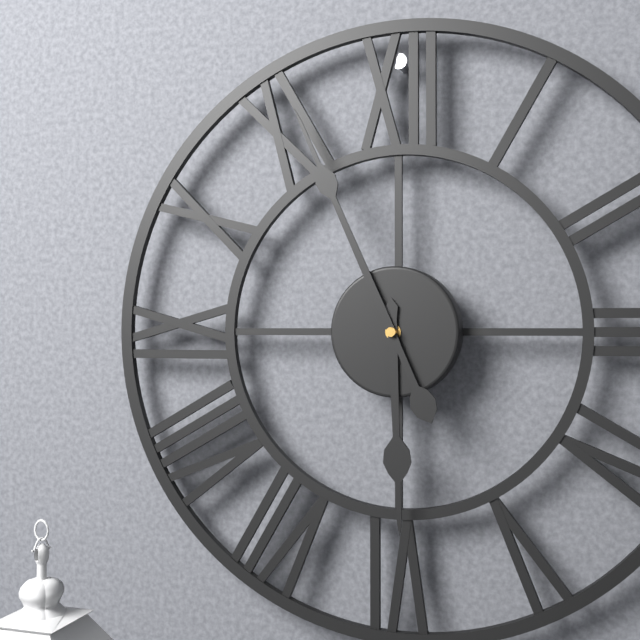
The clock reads 5h56
